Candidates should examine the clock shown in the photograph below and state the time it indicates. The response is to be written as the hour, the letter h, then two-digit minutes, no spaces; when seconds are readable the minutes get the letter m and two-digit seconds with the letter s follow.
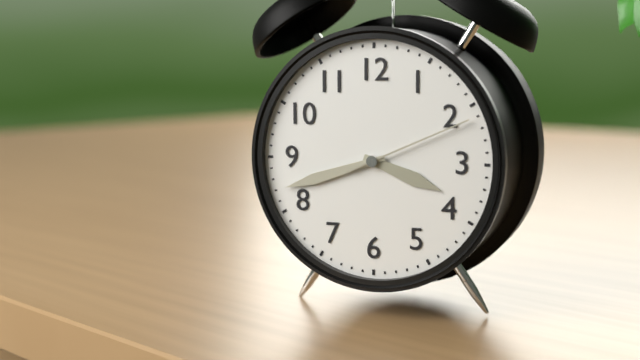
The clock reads 3h42m11s
